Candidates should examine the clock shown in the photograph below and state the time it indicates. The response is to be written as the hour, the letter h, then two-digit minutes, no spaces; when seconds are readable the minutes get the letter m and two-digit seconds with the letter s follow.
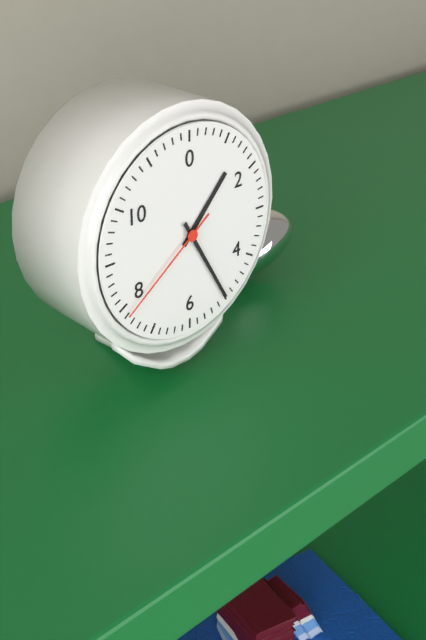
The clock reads 1h25m39s
